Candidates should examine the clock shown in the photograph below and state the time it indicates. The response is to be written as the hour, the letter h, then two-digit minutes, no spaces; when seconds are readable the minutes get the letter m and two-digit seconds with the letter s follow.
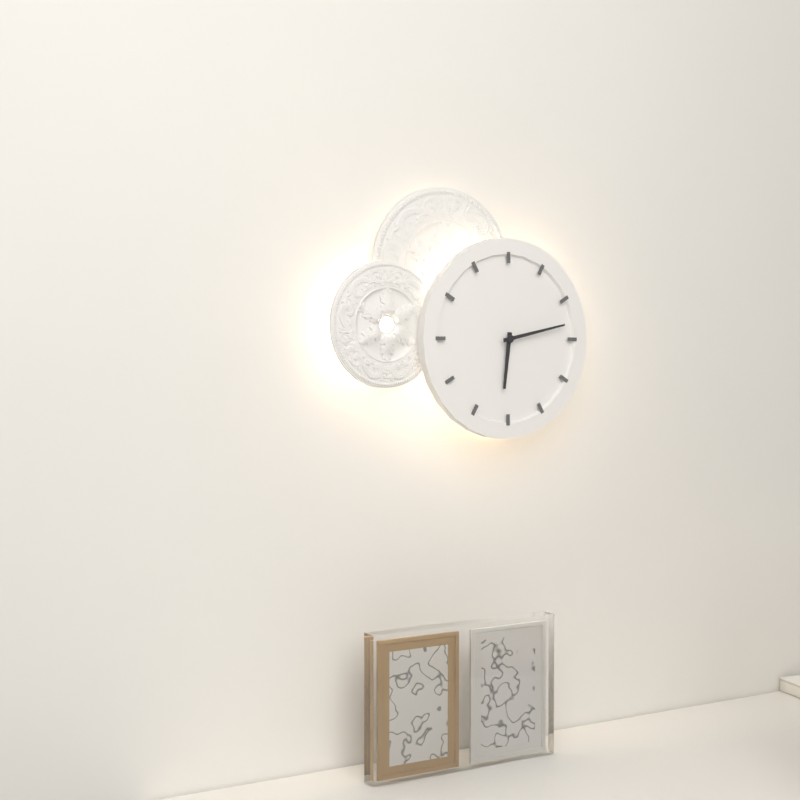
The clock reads 6h13
